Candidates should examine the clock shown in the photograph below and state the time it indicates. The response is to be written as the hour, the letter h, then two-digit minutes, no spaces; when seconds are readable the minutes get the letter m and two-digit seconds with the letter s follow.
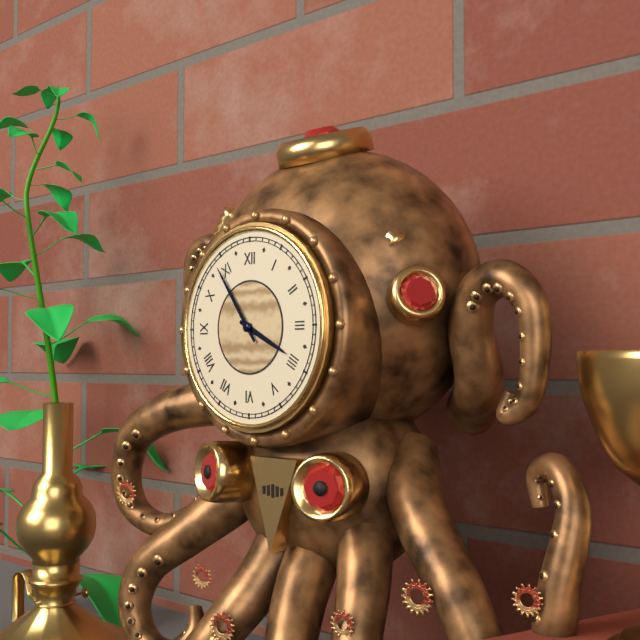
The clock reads 3h54
